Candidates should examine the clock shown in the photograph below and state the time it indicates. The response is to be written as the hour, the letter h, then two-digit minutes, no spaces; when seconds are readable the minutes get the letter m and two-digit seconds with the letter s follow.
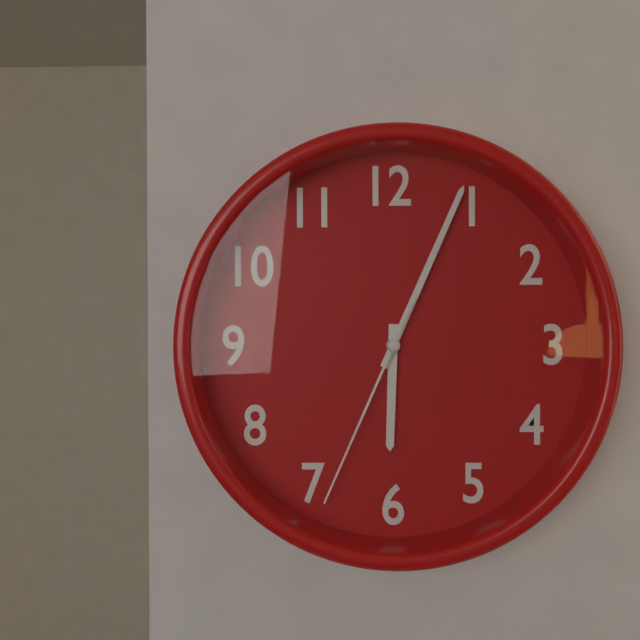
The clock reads 6h04m34s
